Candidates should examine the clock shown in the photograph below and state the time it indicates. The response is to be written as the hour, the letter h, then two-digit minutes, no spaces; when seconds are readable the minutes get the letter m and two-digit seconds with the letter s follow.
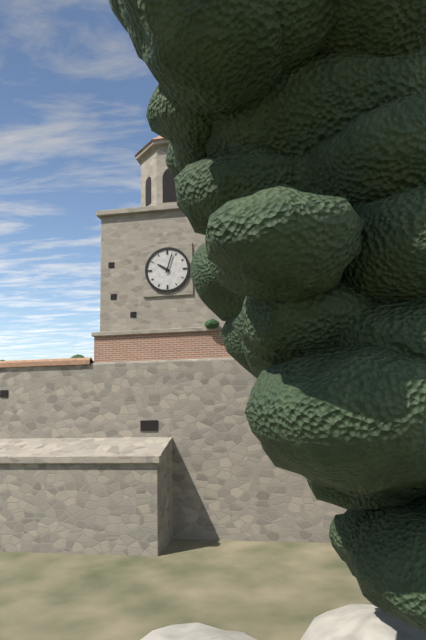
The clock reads 10h03
